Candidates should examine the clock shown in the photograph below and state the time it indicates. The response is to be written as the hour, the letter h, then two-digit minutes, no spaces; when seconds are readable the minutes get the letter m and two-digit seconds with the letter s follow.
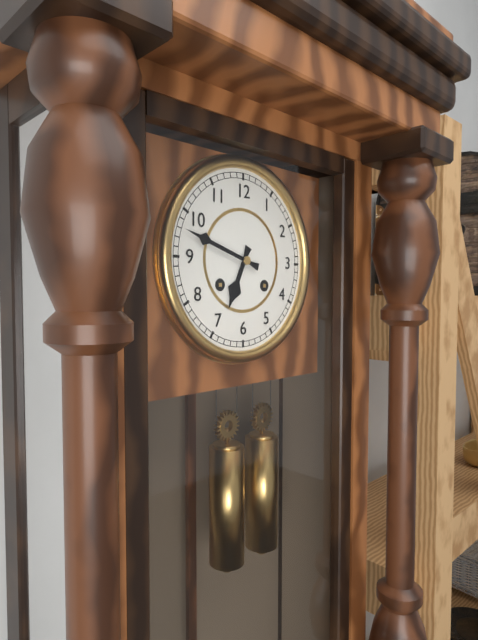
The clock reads 6h48
